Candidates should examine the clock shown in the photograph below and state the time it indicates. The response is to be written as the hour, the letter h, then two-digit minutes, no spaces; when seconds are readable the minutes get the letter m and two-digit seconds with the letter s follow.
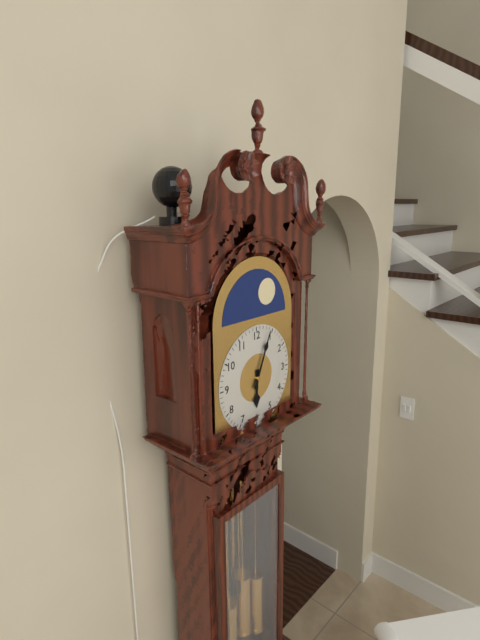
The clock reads 6h04
